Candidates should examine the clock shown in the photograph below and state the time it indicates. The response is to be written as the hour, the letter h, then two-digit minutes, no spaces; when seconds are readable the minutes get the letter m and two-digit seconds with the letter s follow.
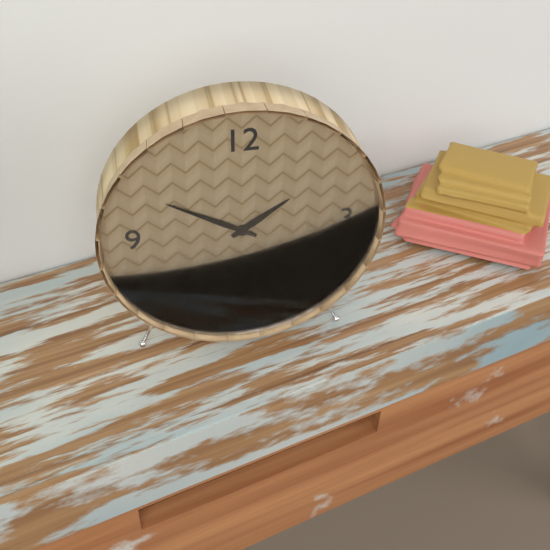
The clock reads 1h50
